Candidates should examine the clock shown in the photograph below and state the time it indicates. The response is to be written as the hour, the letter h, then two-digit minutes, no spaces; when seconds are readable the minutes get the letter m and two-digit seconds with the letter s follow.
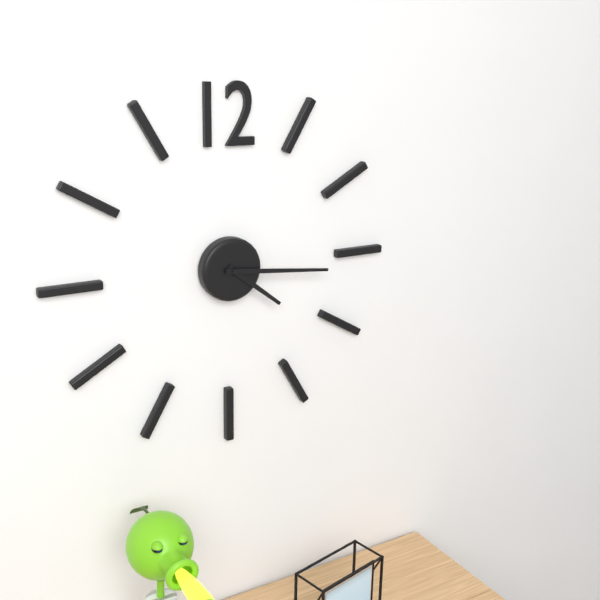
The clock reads 4h16
